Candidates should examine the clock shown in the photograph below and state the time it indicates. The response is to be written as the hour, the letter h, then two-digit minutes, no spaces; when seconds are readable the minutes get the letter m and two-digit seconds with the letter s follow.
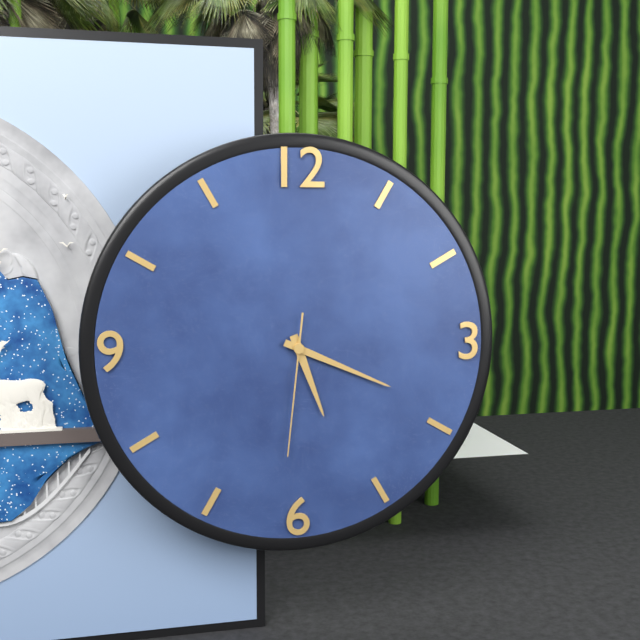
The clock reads 5h19m31s
